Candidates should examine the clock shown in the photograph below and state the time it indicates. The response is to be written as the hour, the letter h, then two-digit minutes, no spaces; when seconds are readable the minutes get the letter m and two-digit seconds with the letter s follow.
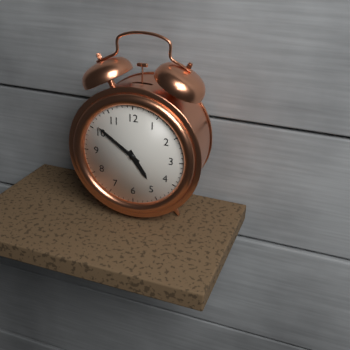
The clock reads 4h51
